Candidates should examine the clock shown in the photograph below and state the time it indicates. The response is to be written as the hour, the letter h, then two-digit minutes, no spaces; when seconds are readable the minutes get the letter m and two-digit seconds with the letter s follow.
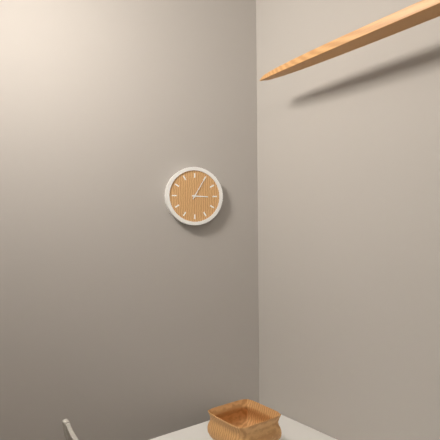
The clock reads 3h05
